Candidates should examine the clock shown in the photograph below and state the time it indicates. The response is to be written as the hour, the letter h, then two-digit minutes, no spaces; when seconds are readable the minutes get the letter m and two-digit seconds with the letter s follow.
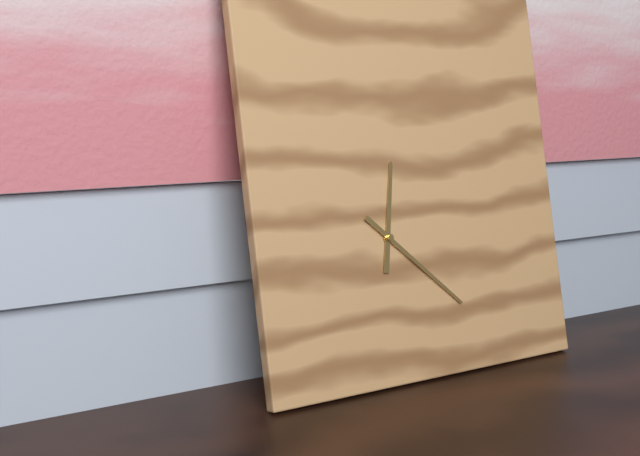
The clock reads 12h22
